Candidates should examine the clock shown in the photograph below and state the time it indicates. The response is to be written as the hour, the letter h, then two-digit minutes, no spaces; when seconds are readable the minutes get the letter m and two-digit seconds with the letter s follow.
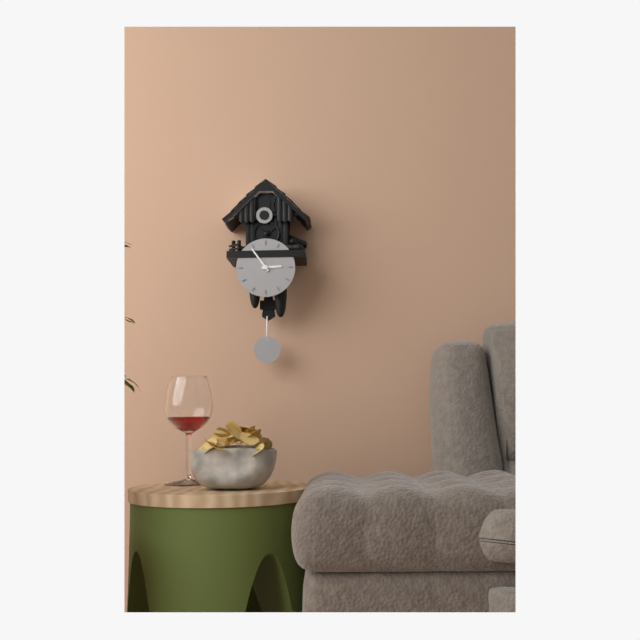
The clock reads 2h54
